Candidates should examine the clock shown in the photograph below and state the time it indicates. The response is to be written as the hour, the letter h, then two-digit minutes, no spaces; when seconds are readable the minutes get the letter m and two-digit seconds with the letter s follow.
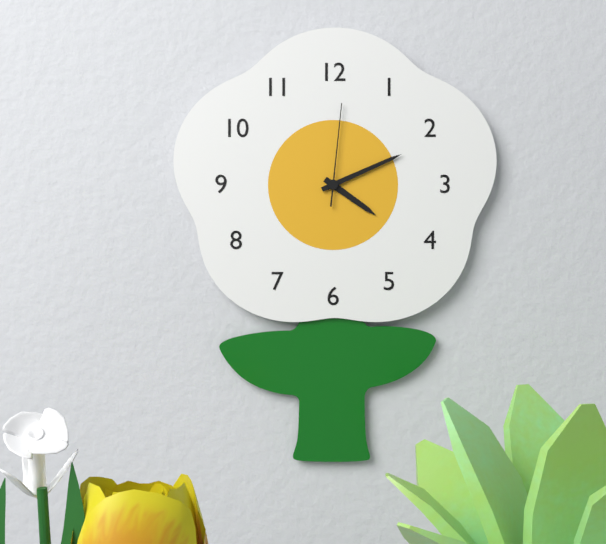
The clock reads 4h11m01s
